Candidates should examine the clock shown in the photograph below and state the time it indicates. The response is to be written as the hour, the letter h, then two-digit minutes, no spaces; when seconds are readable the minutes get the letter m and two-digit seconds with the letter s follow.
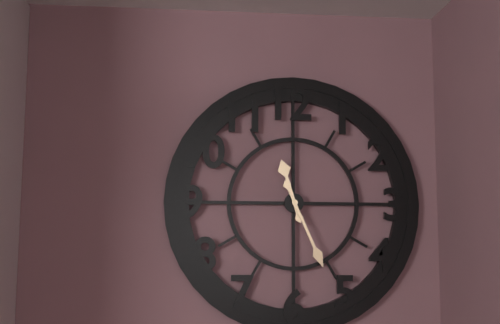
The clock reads 11h26
